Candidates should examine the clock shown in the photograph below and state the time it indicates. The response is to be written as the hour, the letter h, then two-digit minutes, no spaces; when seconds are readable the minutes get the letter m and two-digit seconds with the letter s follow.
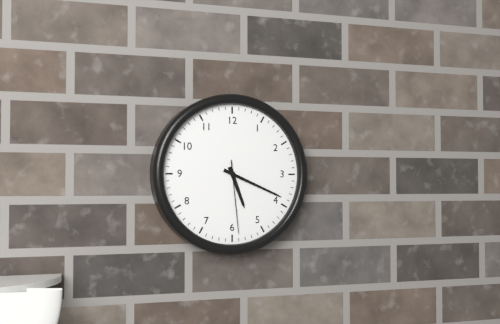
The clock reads 5h19m29s
